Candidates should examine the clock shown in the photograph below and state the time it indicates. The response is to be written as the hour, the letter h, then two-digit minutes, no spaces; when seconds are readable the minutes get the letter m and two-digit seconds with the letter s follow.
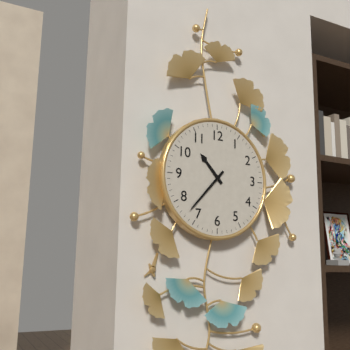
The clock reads 10h37
